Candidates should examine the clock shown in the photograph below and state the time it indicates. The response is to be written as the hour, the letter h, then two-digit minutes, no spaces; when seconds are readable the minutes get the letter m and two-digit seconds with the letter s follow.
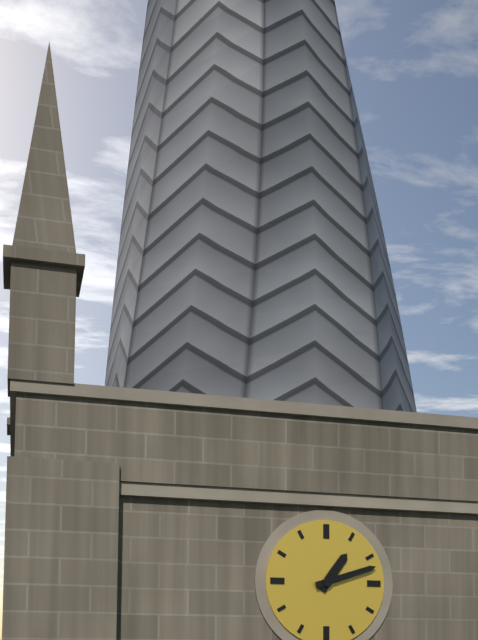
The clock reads 1h12
